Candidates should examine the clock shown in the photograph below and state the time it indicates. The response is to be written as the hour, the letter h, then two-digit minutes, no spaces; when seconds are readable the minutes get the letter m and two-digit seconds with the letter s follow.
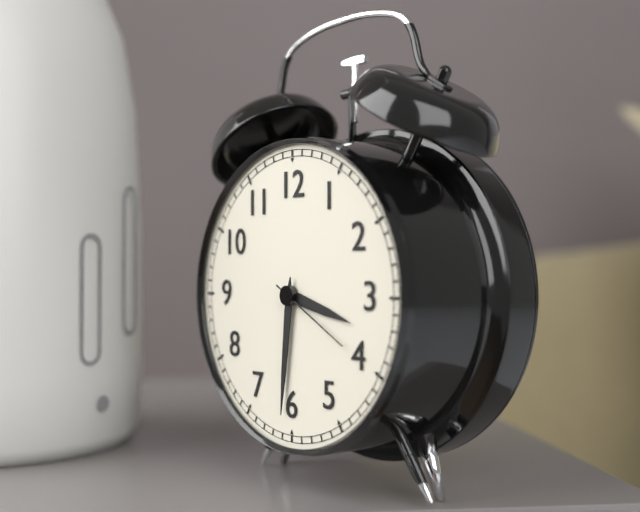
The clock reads 3h31m20s
